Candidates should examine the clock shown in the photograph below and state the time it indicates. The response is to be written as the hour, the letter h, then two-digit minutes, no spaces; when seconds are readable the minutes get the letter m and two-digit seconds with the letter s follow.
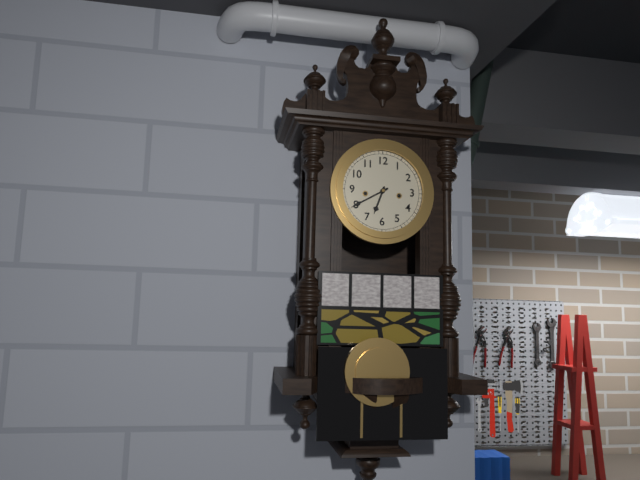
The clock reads 6h40
